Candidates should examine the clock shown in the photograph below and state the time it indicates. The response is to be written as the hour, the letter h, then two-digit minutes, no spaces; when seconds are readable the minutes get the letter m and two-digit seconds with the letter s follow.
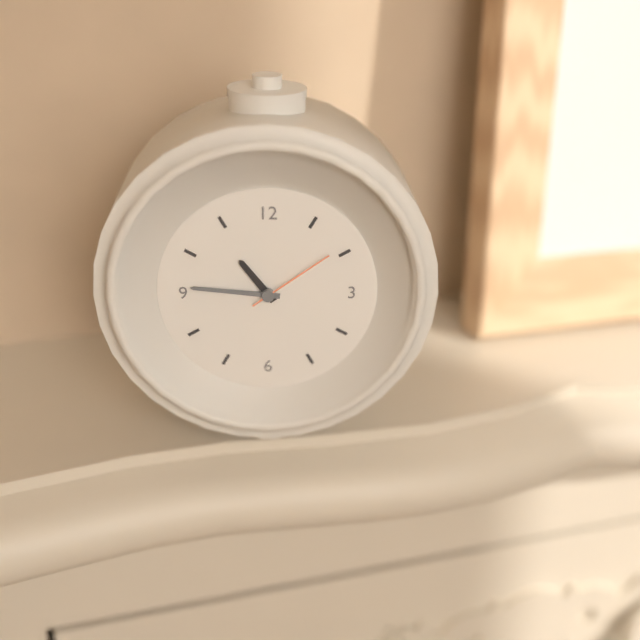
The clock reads 10h46m09s
